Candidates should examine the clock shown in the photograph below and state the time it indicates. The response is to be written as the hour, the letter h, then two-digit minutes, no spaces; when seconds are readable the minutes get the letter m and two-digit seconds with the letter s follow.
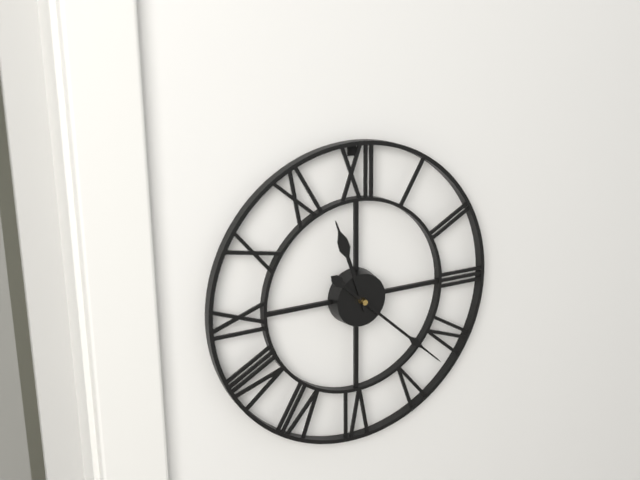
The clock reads 11h22
